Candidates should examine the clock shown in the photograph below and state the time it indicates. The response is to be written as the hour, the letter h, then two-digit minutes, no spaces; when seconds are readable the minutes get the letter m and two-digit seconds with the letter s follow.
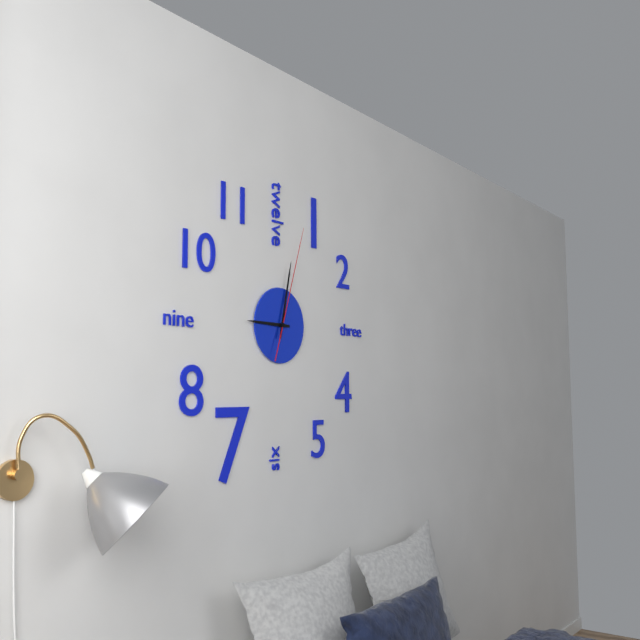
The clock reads 9h02m03s
